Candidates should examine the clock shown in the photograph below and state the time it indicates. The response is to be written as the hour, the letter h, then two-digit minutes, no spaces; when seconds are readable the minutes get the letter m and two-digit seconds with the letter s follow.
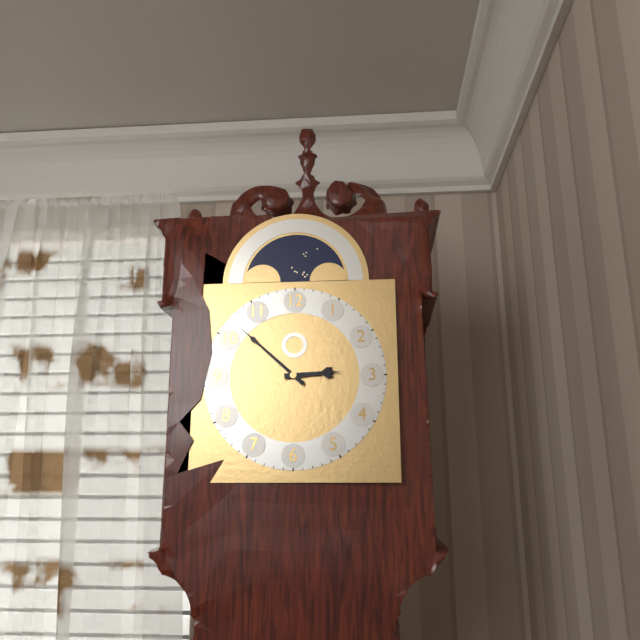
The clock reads 2h52
